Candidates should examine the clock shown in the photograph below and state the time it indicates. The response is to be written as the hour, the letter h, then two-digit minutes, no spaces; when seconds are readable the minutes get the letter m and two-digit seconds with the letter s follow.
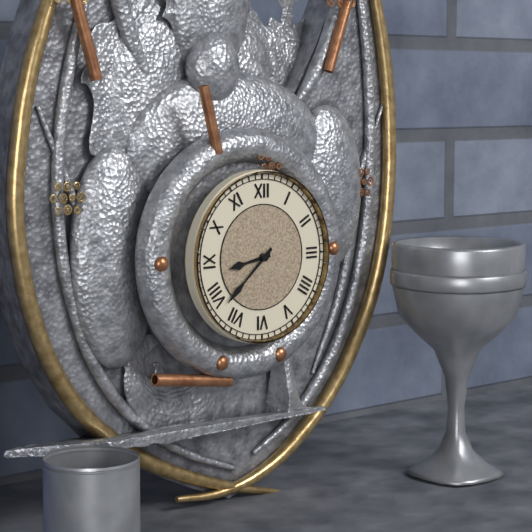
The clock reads 8h38
